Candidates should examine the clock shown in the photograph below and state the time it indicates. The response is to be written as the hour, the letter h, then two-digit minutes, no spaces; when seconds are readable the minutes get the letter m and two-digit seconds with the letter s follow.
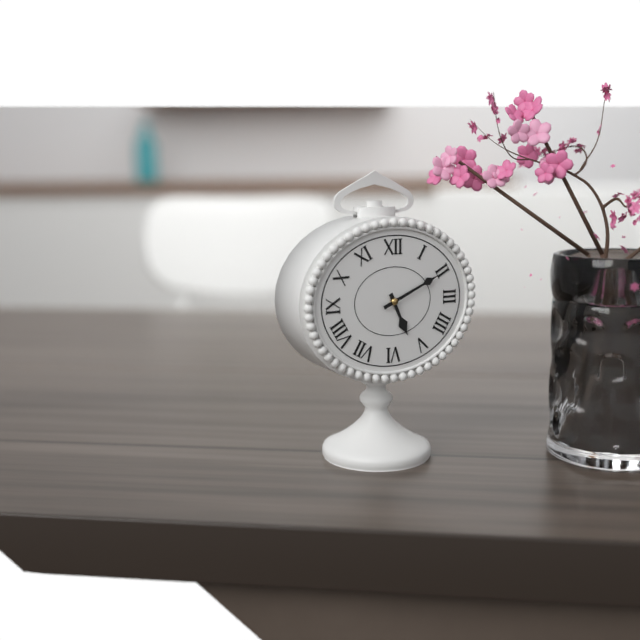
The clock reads 5h11
